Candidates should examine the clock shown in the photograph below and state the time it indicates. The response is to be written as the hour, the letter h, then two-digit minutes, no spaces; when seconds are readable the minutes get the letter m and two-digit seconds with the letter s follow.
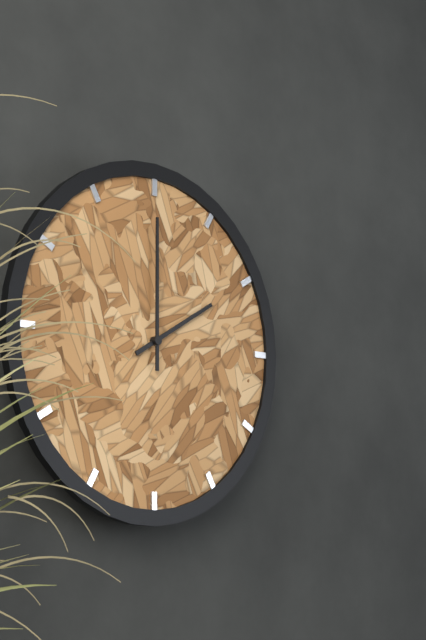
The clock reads 2h00
